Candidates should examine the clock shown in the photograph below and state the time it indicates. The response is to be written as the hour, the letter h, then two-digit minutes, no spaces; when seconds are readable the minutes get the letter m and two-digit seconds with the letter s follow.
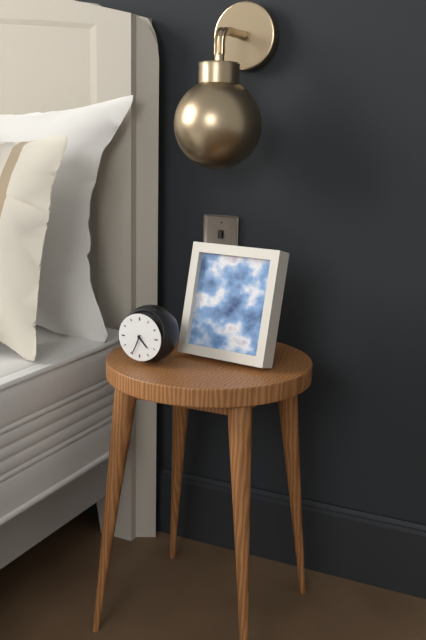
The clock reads 4h34
